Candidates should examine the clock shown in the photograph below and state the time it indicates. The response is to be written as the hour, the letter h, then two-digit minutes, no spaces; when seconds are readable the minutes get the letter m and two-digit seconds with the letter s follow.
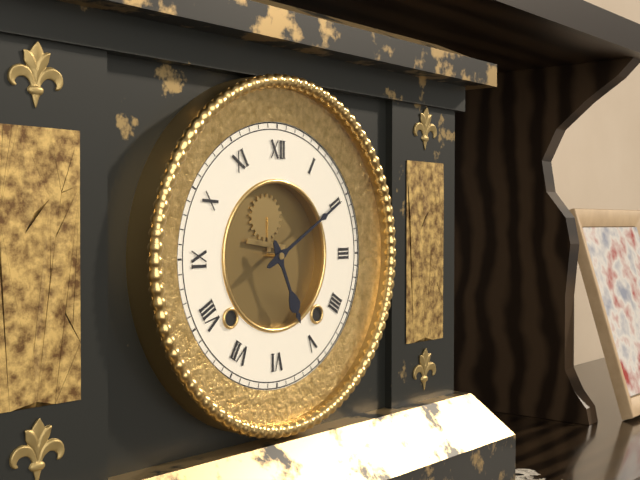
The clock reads 5h10
